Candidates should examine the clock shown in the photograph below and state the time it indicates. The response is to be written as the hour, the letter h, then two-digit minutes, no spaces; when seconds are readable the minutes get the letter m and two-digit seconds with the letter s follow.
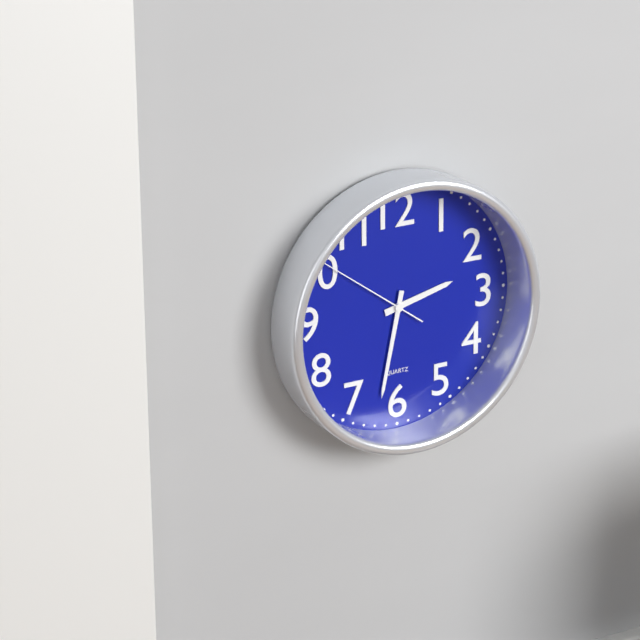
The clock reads 2h32m51s
